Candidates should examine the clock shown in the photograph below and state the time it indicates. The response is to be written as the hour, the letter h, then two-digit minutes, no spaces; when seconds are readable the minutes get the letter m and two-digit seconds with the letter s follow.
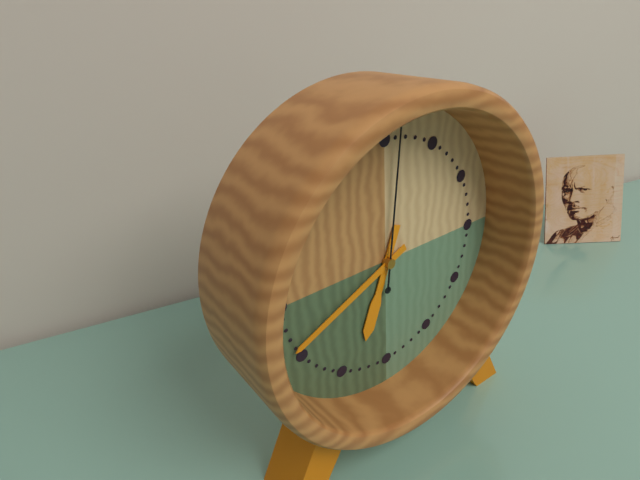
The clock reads 6h41m01s
